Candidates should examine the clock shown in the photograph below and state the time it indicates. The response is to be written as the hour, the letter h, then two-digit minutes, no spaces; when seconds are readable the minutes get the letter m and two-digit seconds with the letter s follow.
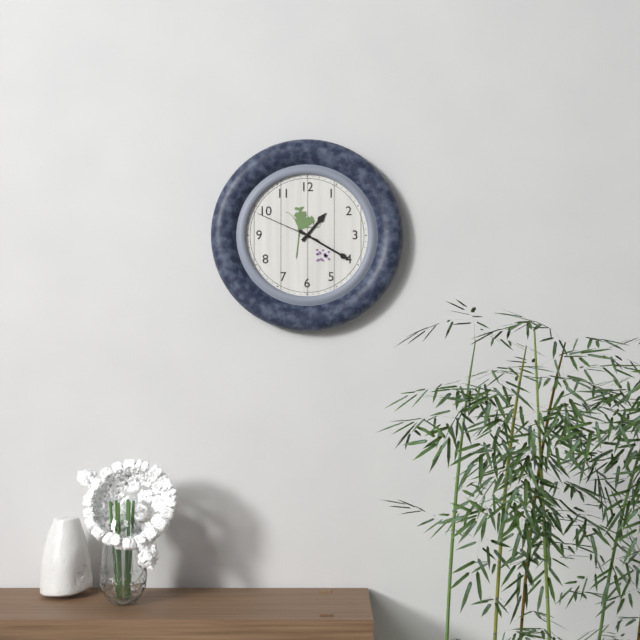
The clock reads 1h20m49s
